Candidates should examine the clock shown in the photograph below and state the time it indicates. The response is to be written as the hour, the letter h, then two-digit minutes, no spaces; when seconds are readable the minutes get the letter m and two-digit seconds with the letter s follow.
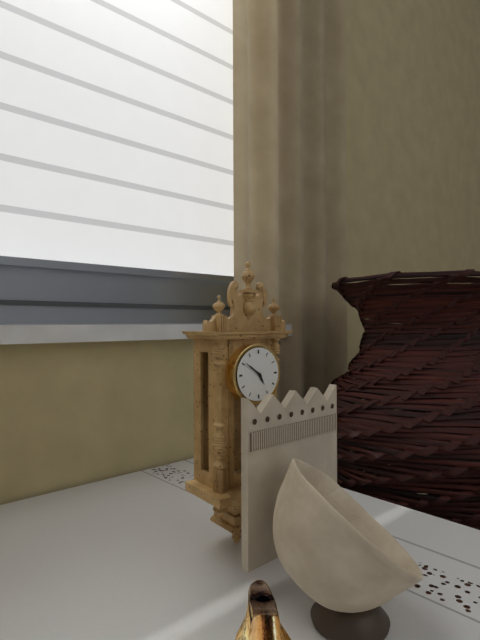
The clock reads 4h51
